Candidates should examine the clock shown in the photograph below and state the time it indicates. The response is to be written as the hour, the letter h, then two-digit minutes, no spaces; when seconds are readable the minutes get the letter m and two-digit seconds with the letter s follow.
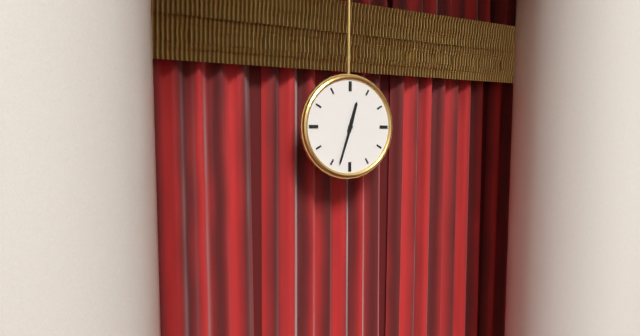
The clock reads 12h33
